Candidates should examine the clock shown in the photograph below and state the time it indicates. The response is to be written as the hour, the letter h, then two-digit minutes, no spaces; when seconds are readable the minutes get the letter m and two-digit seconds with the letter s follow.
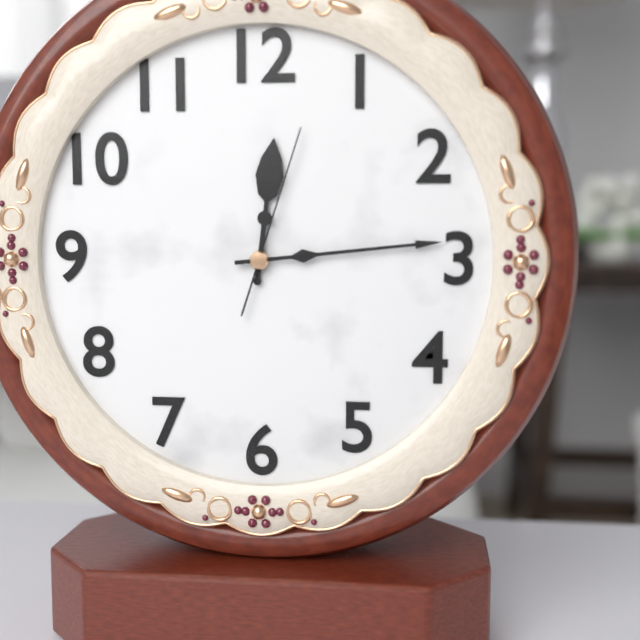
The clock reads 12h14m03s
